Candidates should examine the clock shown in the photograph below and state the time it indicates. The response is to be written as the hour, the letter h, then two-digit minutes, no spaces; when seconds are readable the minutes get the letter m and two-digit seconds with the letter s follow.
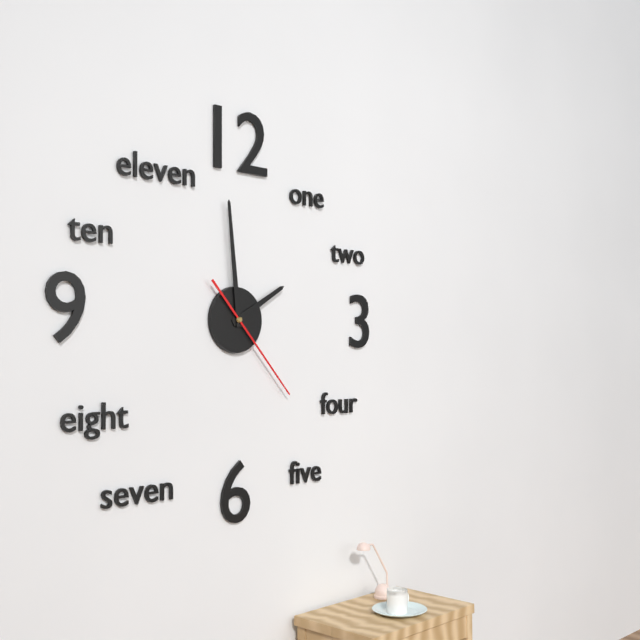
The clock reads 1h59m23s
